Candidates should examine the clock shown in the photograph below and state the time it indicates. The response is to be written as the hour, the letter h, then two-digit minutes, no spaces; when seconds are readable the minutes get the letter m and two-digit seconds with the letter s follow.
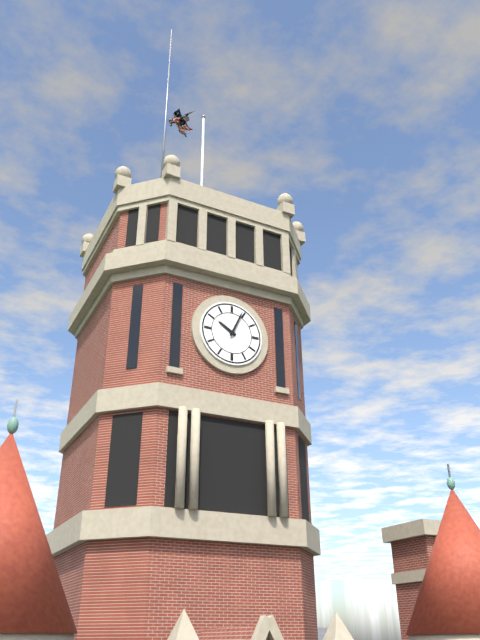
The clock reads 10h04
